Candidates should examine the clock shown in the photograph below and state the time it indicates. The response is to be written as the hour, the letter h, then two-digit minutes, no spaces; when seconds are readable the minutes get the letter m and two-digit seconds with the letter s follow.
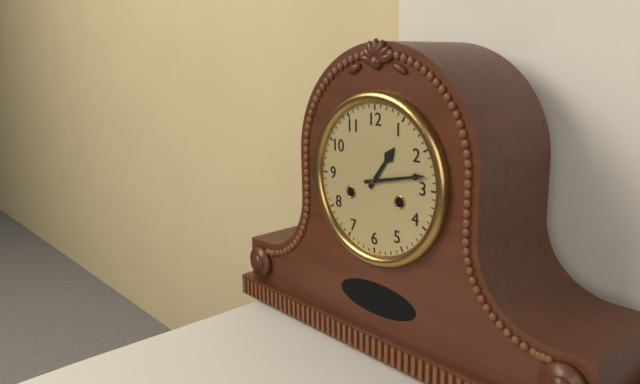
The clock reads 1h13
